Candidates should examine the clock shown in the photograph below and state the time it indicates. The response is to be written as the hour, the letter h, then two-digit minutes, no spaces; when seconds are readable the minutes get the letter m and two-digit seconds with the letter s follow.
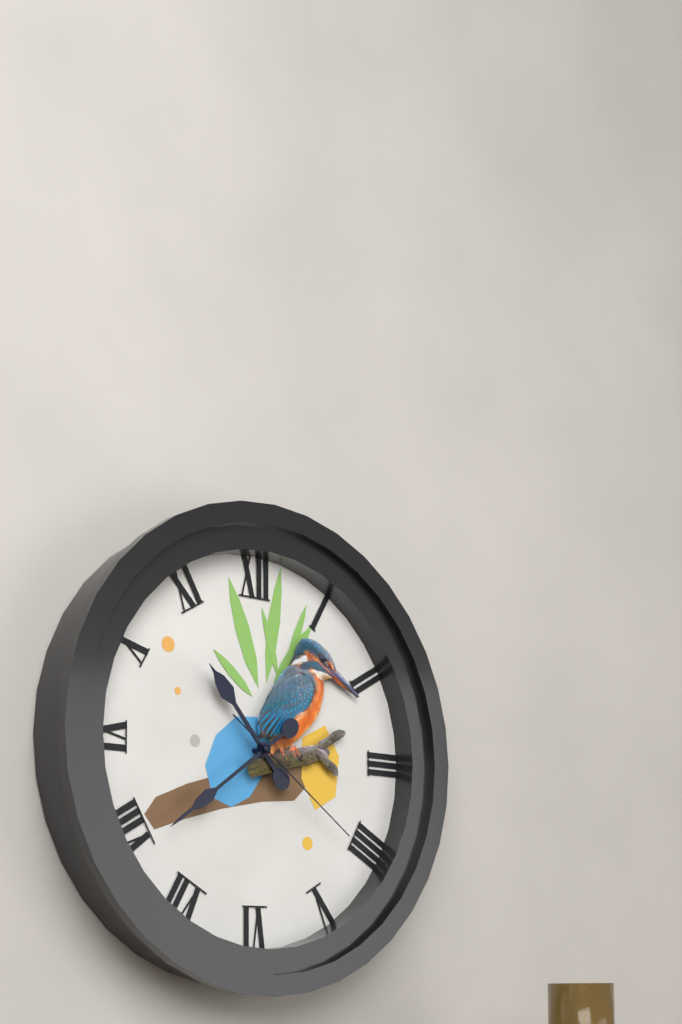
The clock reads 10h39m21s
